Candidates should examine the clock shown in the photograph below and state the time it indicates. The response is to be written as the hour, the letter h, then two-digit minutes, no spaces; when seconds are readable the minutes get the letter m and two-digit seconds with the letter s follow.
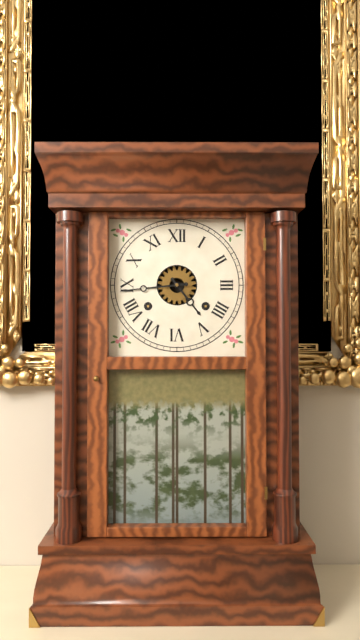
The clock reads 4h44
